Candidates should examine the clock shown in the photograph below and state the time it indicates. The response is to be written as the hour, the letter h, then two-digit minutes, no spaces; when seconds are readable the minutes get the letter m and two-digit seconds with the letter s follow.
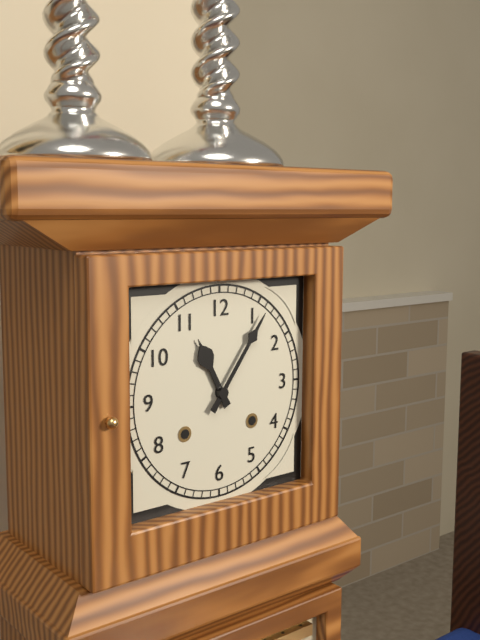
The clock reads 11h06
